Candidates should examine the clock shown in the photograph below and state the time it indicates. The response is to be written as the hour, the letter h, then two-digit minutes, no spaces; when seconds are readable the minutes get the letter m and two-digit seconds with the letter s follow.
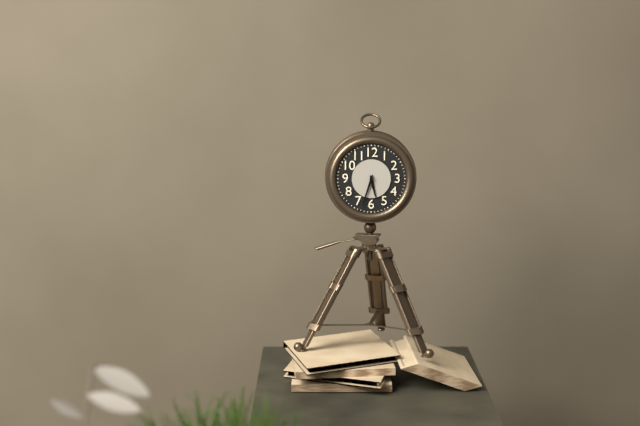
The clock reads 5h33
